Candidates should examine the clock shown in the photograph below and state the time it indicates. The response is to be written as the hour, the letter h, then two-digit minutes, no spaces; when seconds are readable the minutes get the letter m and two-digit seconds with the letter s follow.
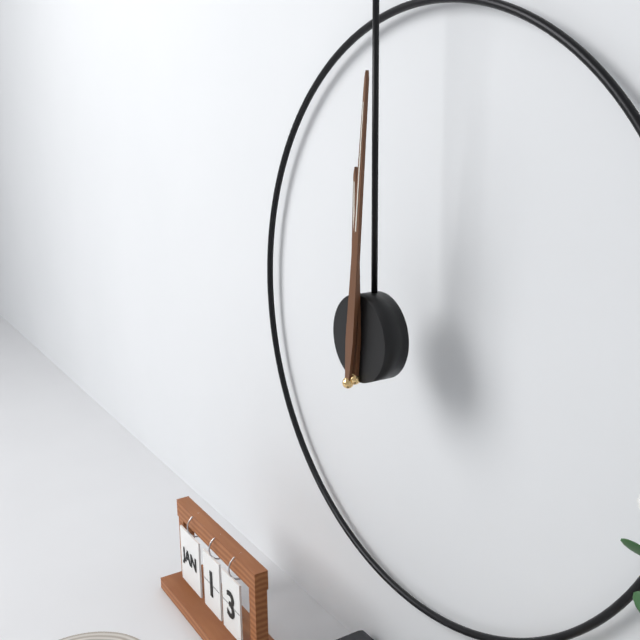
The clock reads 12h01
